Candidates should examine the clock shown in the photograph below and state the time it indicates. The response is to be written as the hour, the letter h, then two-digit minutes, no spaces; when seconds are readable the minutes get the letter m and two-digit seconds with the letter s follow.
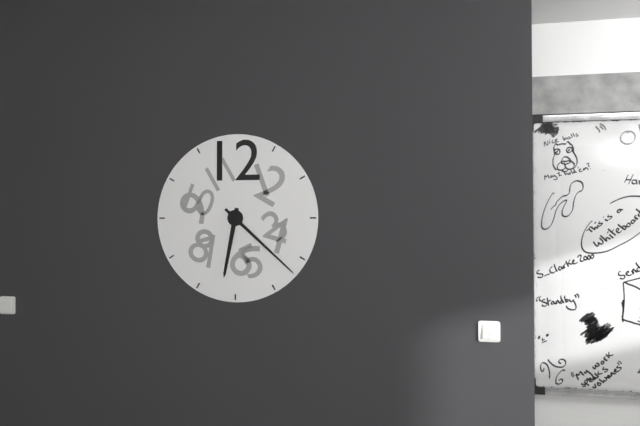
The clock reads 6h22
